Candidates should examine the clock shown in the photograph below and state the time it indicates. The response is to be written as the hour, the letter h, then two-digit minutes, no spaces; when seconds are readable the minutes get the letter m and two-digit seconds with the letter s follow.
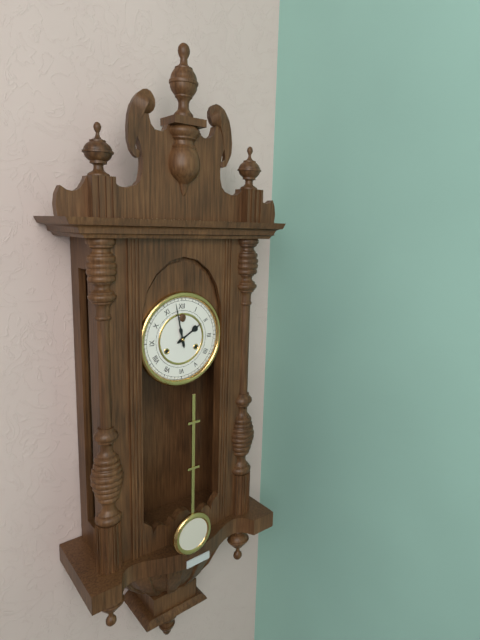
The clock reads 1h58
